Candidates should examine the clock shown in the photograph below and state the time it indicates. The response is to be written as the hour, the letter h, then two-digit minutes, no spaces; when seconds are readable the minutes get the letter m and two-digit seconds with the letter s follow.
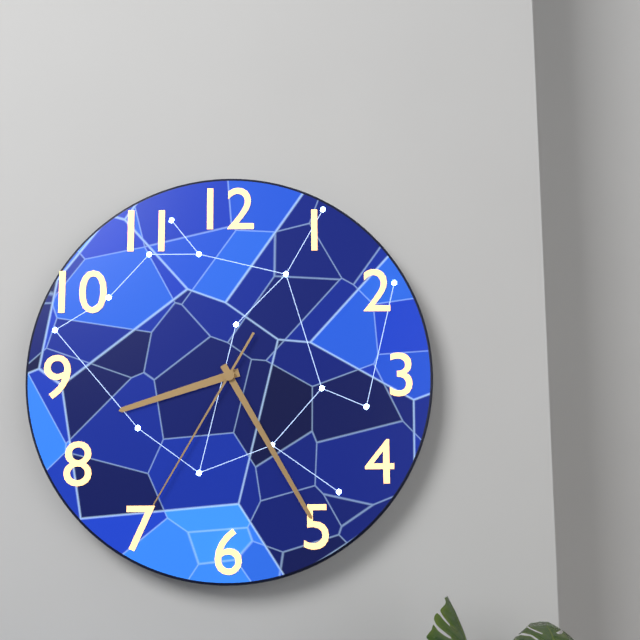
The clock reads 8h25m35s
